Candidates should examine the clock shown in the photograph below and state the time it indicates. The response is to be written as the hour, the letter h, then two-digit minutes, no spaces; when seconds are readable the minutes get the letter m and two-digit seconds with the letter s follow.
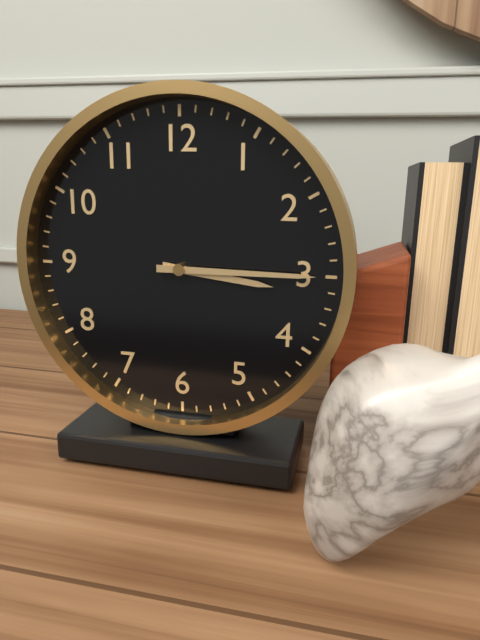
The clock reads 3h15
